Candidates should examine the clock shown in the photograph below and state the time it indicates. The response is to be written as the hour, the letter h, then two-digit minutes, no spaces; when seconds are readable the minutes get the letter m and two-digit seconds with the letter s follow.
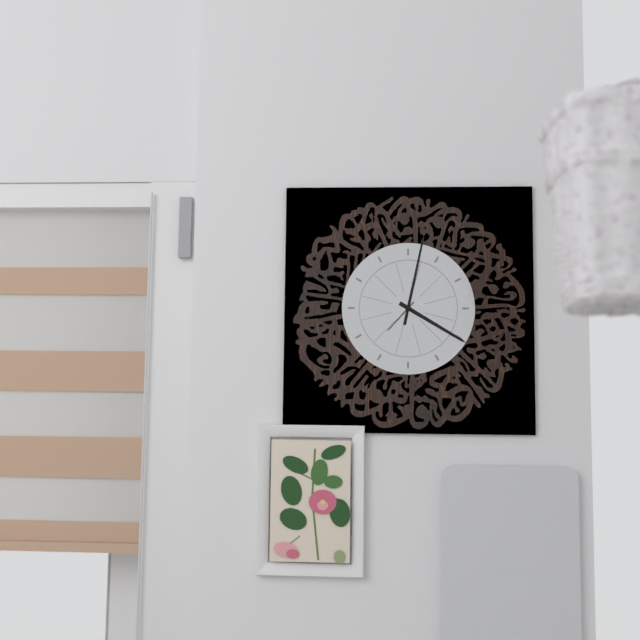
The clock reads 4h02
